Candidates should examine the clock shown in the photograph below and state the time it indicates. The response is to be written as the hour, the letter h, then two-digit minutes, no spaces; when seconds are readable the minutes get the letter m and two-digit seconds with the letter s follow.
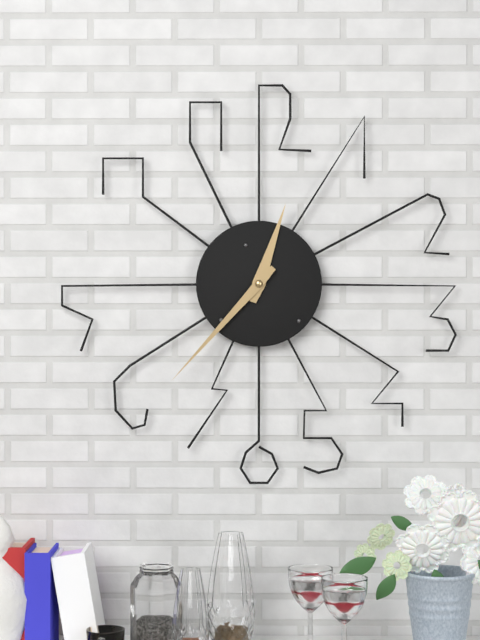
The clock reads 12h37
